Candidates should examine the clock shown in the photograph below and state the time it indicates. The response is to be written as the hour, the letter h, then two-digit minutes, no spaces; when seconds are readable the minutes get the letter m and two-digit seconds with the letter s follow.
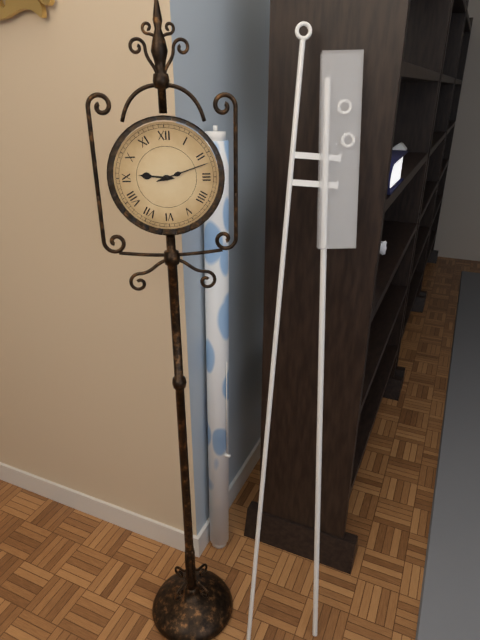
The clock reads 9h12
